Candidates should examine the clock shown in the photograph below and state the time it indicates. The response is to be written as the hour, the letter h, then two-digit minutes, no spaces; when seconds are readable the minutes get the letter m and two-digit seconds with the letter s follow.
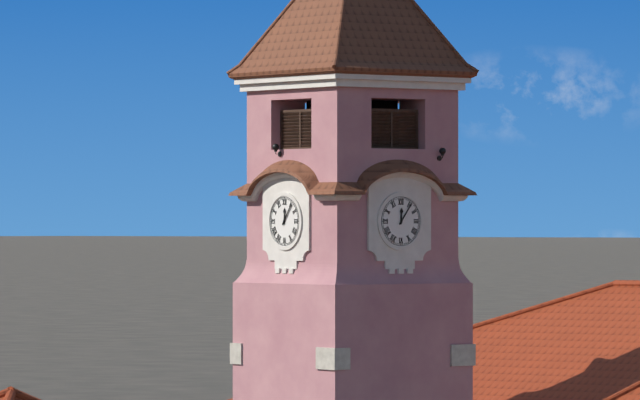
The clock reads 12h06
